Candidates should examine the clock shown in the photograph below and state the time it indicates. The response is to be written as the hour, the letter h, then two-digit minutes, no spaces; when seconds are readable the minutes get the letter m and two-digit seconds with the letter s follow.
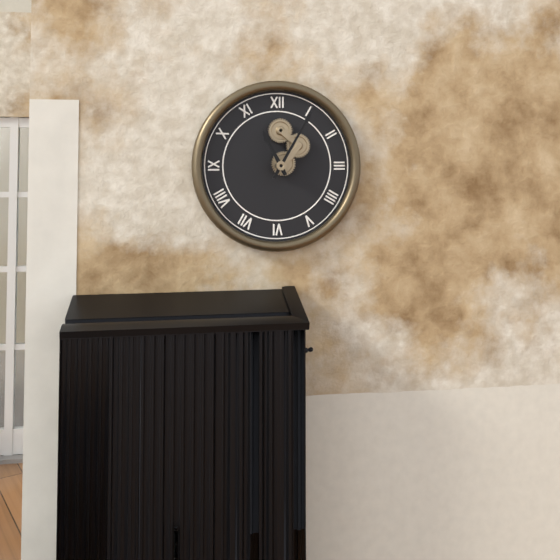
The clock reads 11h05
